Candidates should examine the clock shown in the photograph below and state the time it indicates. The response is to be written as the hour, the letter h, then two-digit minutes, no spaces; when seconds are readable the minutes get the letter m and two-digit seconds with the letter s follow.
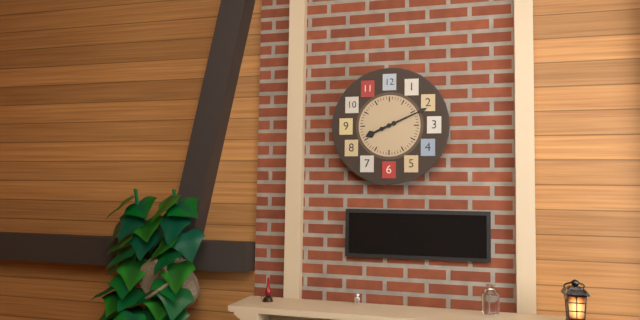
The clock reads 8h11
